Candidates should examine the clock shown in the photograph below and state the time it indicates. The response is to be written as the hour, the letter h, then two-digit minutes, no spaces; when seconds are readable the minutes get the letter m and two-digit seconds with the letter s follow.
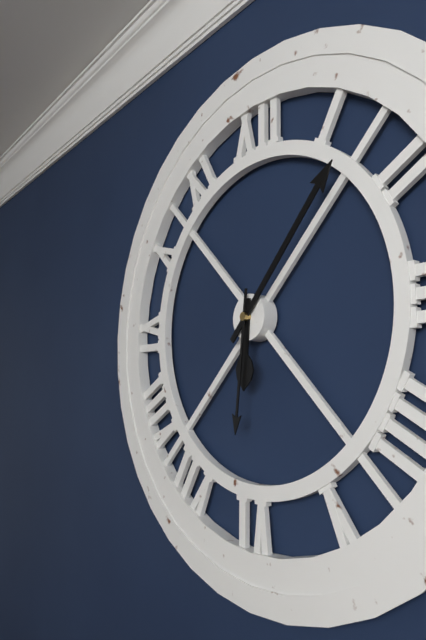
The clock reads 6h07m31s
